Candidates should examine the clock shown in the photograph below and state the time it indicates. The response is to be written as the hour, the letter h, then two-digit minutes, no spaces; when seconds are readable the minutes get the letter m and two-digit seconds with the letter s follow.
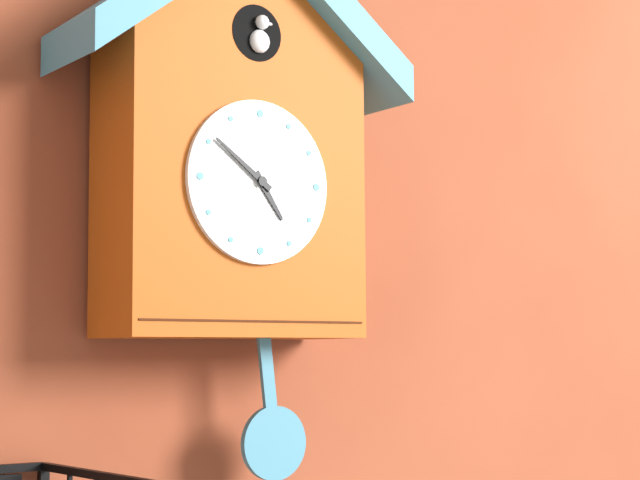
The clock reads 4h51
